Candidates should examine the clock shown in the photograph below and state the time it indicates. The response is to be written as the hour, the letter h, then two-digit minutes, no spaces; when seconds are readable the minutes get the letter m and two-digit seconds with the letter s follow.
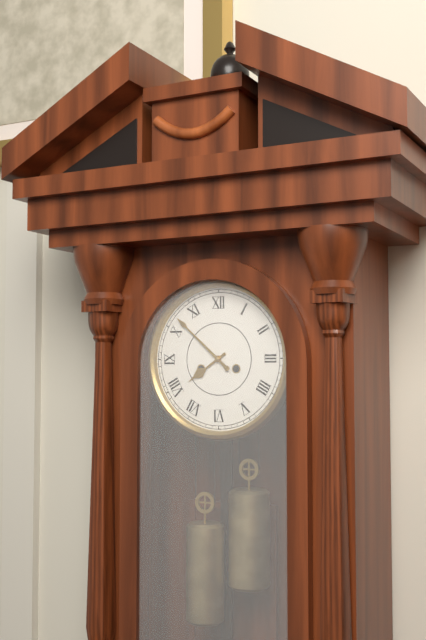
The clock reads 7h52
